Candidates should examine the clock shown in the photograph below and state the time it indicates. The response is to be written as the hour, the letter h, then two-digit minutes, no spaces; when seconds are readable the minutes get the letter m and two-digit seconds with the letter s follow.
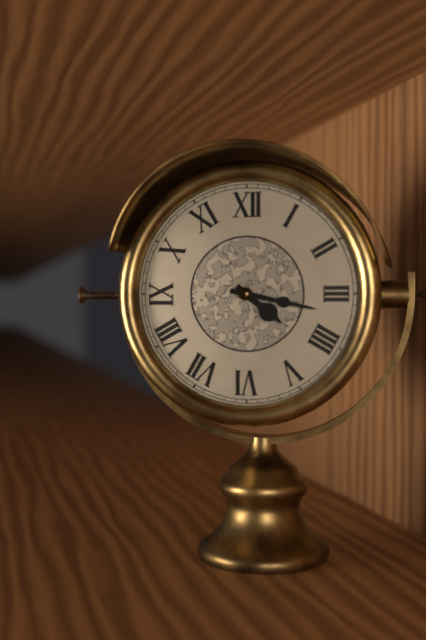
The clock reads 4h17
